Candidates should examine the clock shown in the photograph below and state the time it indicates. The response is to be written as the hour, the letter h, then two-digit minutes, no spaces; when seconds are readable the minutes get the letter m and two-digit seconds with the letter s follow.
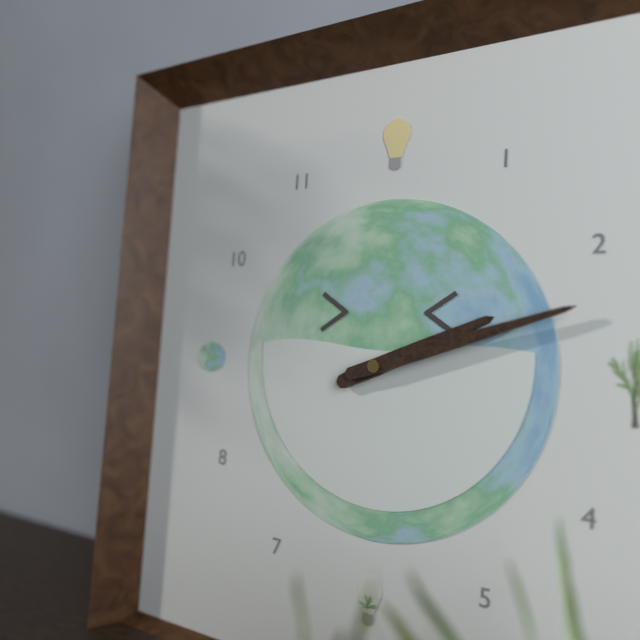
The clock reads 2h12
